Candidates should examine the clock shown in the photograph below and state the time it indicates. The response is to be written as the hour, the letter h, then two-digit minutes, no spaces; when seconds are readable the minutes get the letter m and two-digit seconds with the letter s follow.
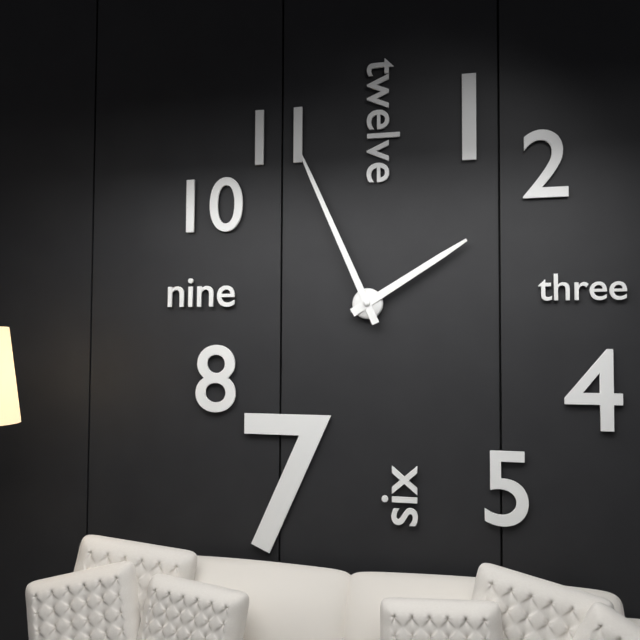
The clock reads 1h56
